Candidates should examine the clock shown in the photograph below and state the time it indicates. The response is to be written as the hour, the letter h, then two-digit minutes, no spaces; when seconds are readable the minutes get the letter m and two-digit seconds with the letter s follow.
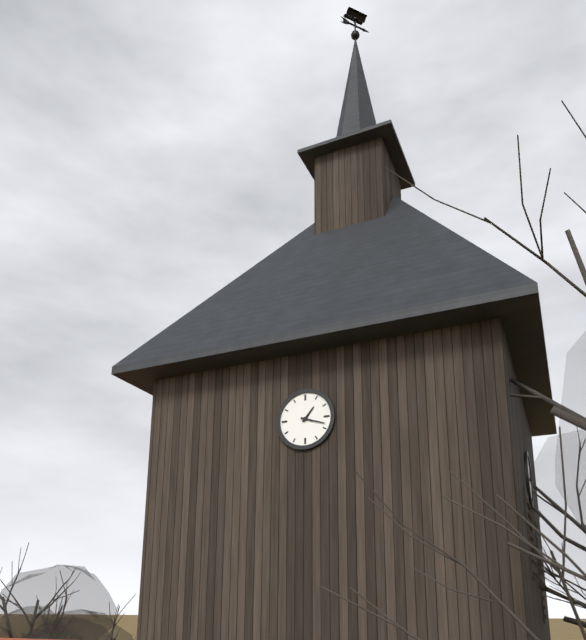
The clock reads 1h18
